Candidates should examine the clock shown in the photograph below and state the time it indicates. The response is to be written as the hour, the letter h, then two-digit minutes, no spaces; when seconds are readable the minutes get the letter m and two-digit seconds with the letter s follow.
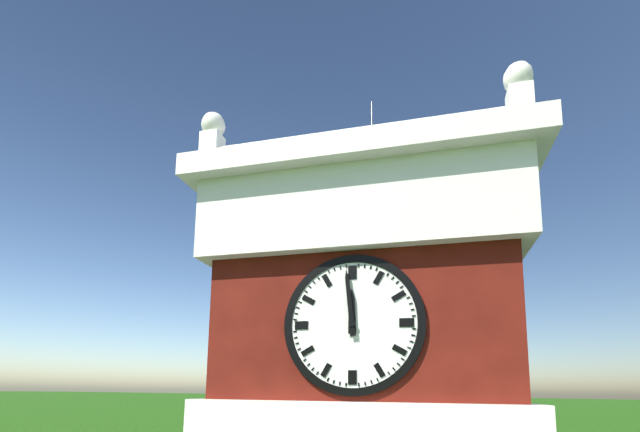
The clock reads 11h59
